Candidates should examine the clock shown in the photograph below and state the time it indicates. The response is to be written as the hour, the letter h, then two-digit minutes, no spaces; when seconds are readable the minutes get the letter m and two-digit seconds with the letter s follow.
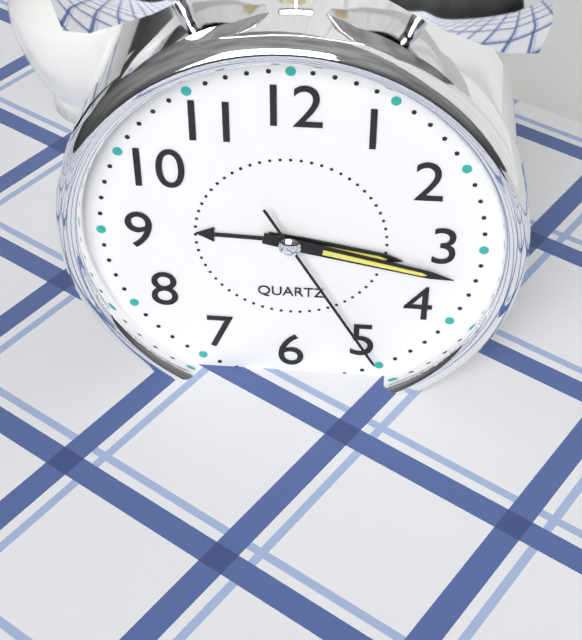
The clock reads 3h17m25s
